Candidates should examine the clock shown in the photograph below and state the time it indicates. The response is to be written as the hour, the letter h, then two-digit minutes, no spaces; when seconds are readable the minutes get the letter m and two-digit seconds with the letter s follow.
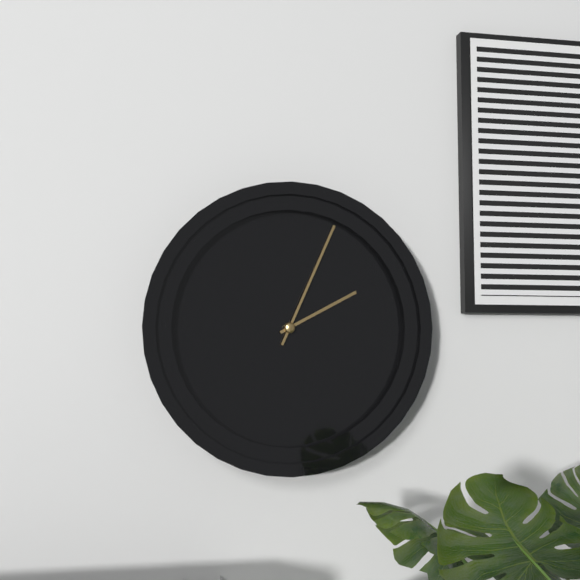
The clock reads 2h04
